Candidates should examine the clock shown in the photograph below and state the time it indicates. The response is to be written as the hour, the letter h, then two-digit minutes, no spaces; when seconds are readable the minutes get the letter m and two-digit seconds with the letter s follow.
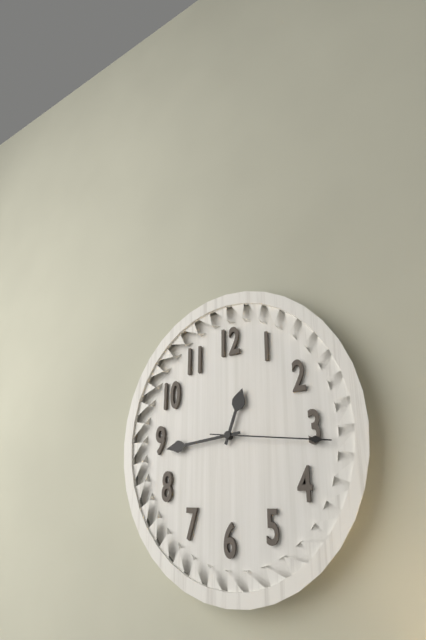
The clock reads 12h44m16s
